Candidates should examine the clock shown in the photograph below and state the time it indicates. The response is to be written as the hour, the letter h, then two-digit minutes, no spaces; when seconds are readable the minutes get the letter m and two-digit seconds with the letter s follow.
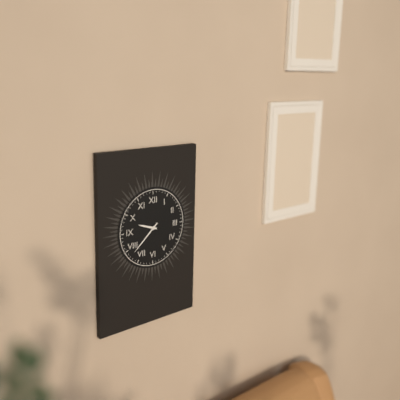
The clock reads 9h38
